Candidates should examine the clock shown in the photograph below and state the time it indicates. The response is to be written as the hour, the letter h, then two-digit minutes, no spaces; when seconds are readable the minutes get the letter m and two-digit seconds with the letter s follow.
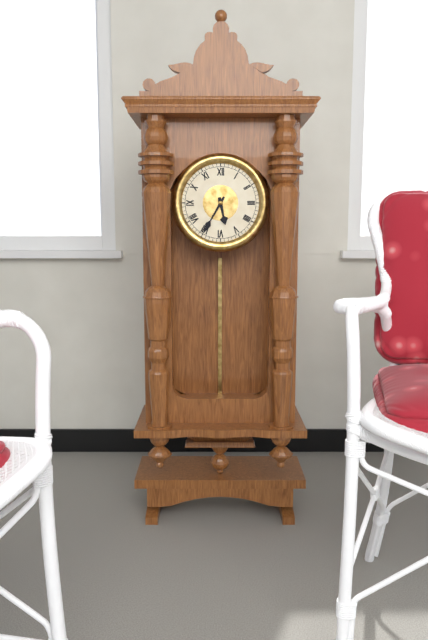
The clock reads 5h35
